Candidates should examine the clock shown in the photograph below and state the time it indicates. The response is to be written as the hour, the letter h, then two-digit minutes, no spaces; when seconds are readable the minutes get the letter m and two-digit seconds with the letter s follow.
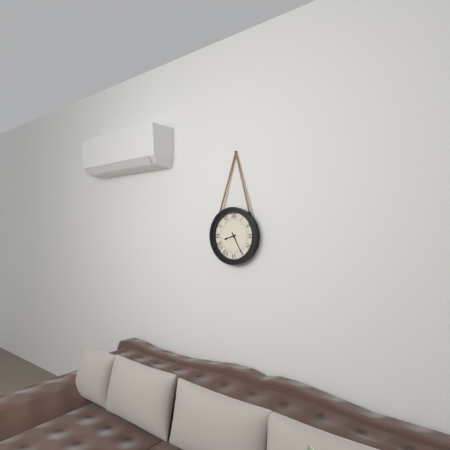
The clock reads 8h25
